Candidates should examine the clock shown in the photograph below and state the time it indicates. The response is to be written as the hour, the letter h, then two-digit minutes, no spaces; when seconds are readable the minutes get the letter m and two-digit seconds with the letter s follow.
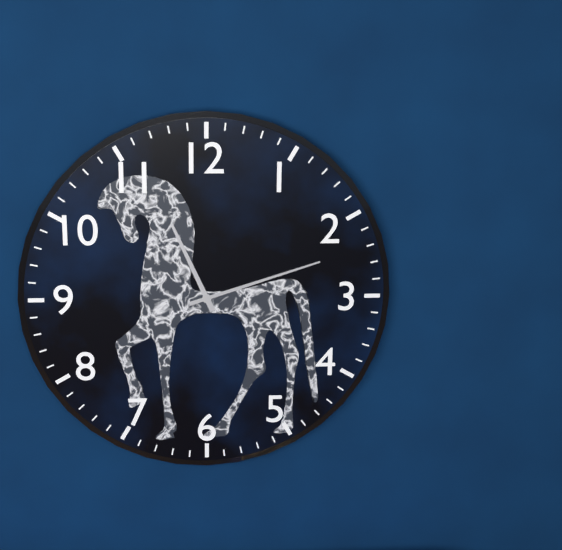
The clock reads 11h12
